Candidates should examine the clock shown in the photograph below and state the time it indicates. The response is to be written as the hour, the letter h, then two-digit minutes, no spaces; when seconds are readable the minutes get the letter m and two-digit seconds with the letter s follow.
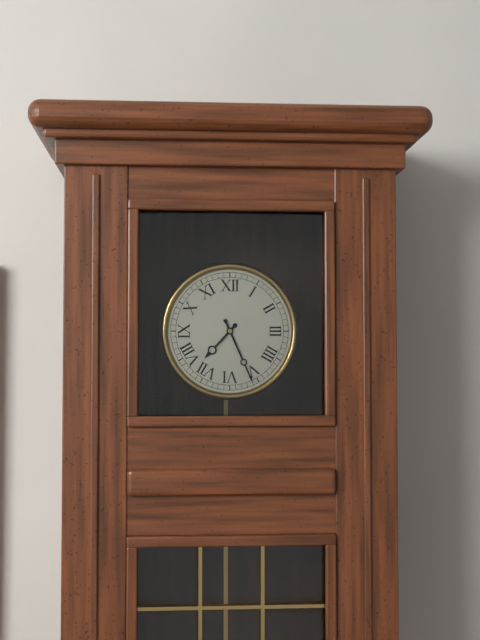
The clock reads 7h26
